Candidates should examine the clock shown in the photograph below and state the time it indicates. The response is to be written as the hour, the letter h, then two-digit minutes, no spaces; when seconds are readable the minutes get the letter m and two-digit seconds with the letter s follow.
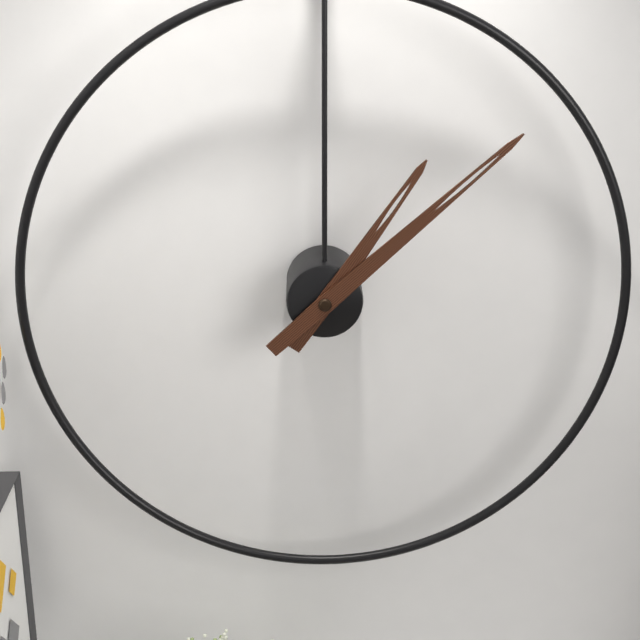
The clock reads 1h08
